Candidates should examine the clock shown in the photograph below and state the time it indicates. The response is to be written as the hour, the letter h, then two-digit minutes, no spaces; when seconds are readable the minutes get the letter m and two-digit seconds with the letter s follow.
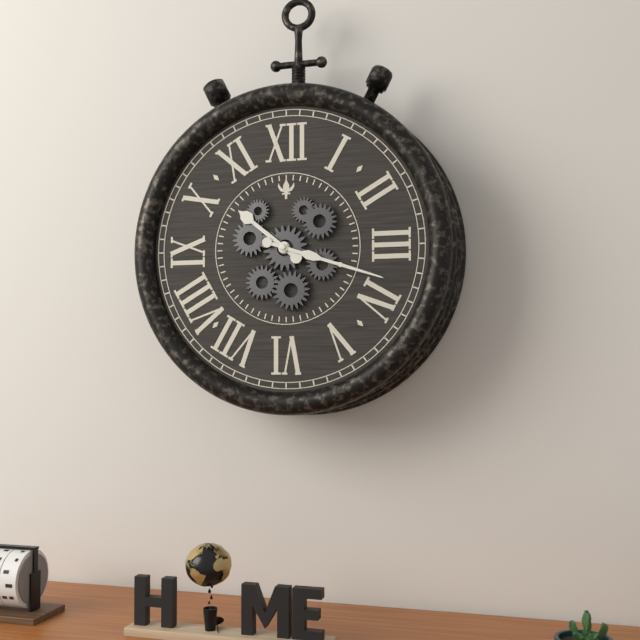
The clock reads 10h18
